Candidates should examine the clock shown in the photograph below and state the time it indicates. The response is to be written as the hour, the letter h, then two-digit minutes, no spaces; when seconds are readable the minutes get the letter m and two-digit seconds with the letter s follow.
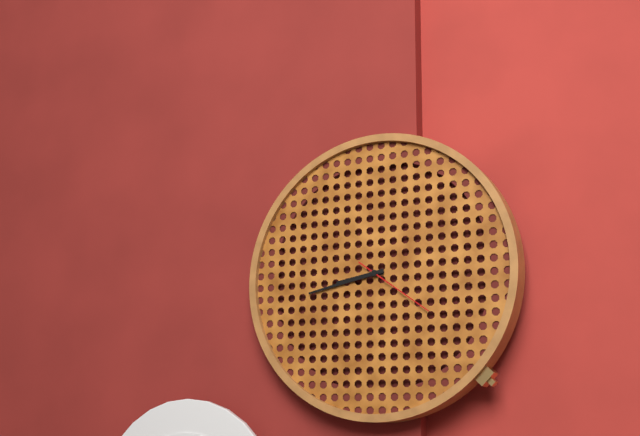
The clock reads 8h43m21s
